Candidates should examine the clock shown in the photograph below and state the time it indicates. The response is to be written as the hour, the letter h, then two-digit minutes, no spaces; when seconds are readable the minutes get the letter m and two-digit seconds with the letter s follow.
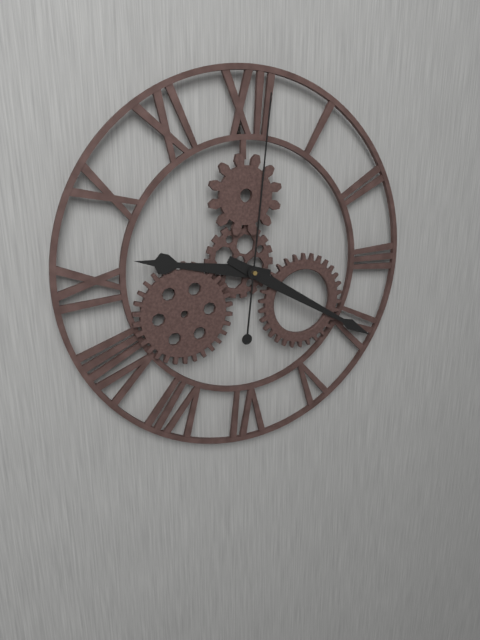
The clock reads 9h20m01s
